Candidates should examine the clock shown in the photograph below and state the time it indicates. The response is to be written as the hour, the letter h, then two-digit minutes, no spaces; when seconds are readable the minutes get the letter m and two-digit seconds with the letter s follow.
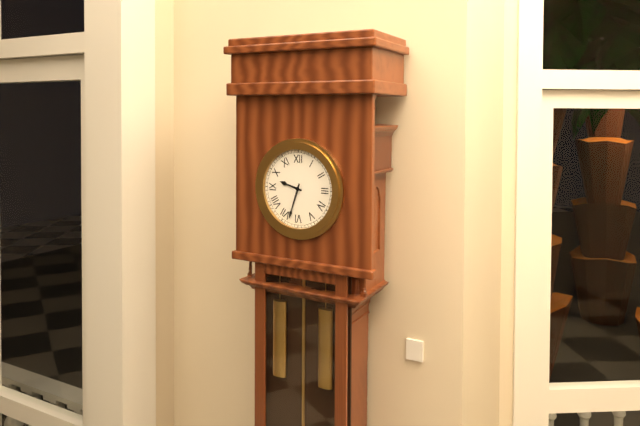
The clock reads 9h33
